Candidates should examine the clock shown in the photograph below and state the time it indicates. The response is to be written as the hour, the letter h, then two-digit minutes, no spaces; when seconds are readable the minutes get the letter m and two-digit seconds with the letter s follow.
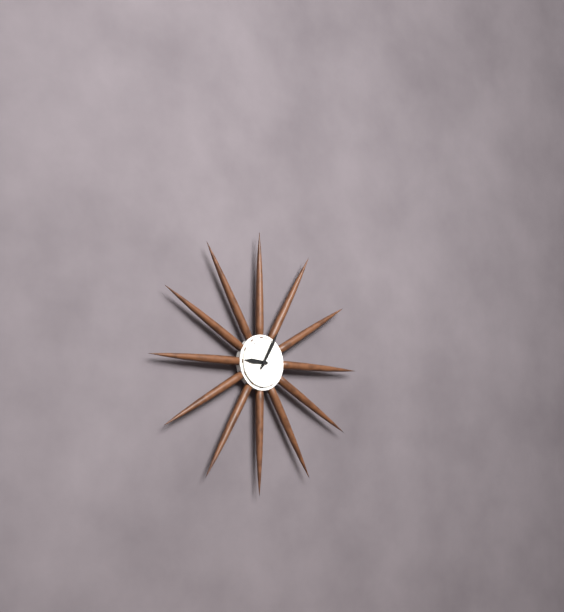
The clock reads 9h05
